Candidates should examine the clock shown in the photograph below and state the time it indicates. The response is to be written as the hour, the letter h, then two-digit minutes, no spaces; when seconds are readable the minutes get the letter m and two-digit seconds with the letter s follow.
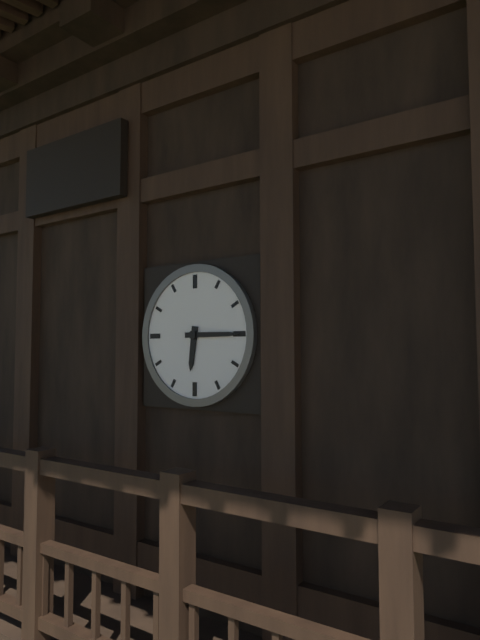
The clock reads 6h15
